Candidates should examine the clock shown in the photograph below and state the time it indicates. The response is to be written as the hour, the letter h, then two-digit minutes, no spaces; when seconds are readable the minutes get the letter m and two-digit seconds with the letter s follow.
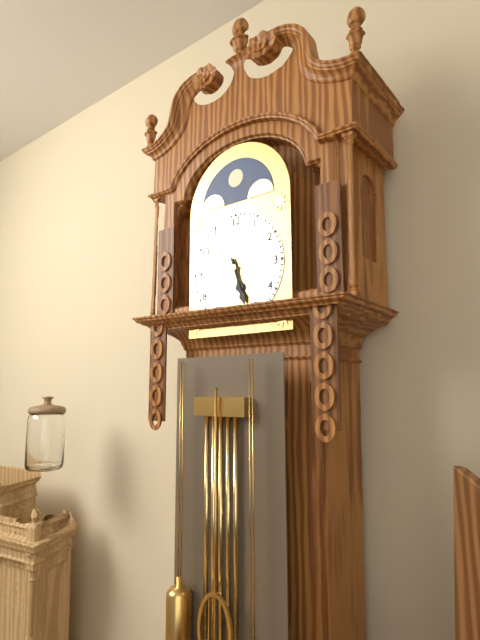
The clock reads 5h27
